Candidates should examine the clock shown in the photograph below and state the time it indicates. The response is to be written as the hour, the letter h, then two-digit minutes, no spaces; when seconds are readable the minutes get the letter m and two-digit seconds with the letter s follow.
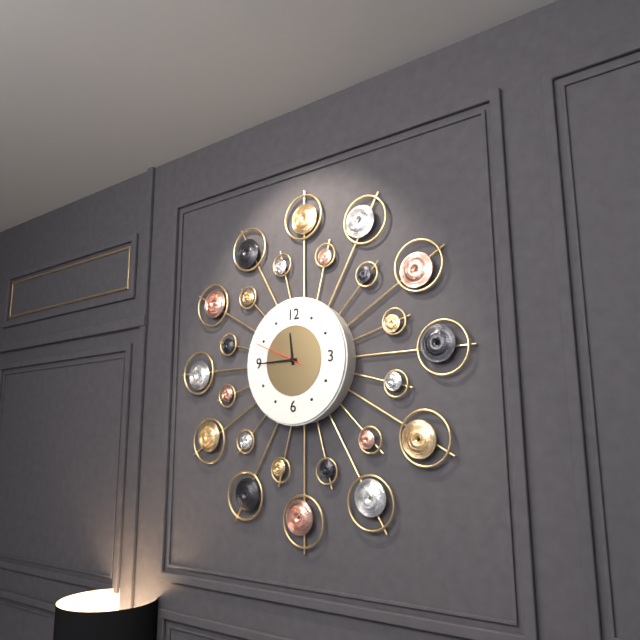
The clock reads 11h45m49s
